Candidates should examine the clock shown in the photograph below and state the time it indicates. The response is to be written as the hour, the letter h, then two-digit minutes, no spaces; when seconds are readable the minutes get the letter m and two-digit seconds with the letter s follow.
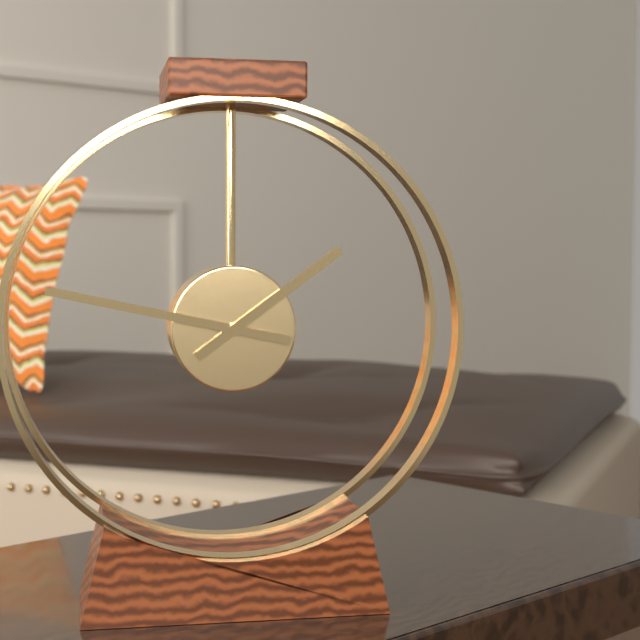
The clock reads 1h47
